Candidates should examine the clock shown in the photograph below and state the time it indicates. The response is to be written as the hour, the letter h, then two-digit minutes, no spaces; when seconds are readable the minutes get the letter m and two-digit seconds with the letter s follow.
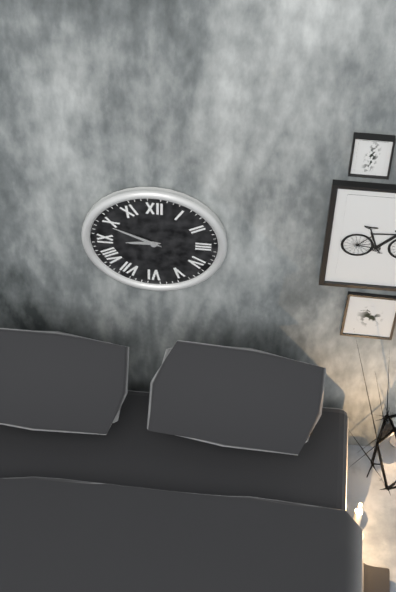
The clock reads 8h49
